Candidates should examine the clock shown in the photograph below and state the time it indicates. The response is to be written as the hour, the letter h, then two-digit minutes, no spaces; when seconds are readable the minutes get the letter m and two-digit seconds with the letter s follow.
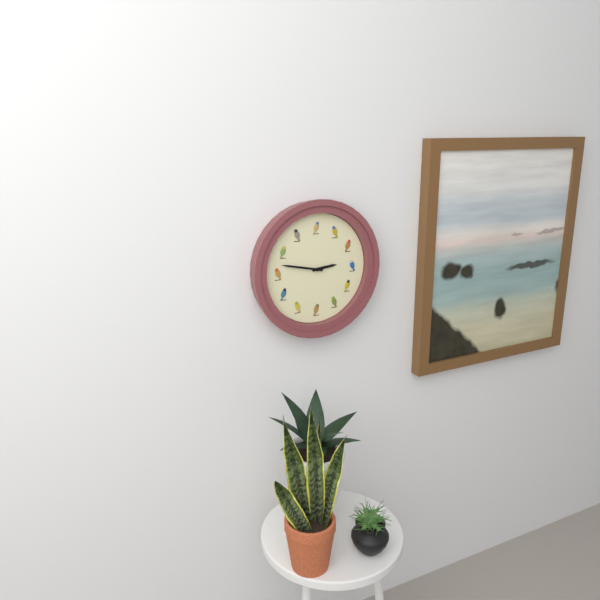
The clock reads 2h47
